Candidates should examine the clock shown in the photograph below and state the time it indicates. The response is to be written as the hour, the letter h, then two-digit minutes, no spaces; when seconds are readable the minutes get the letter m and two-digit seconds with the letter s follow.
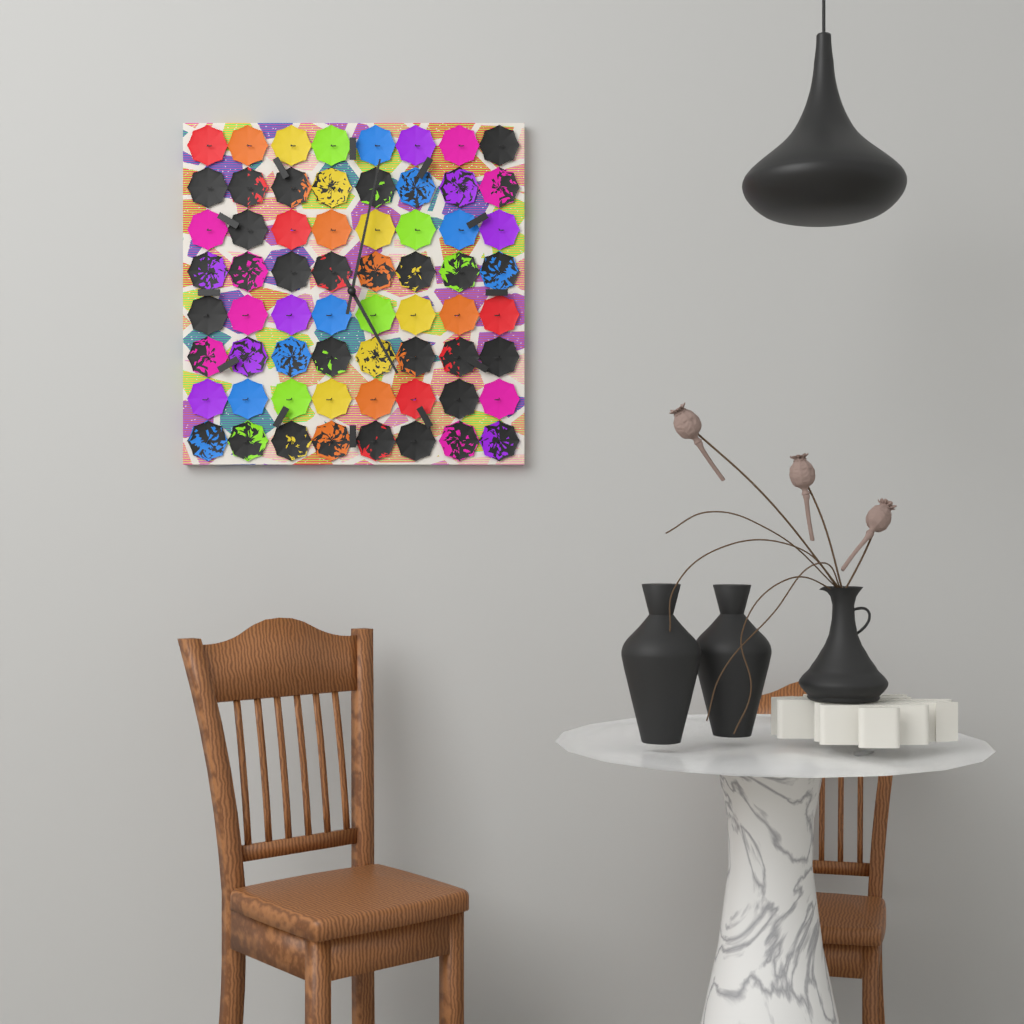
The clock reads 5h02
